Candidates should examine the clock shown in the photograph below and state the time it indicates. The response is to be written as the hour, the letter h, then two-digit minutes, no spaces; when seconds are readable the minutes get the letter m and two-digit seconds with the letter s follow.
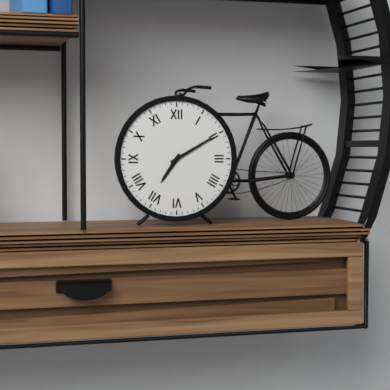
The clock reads 7h10
